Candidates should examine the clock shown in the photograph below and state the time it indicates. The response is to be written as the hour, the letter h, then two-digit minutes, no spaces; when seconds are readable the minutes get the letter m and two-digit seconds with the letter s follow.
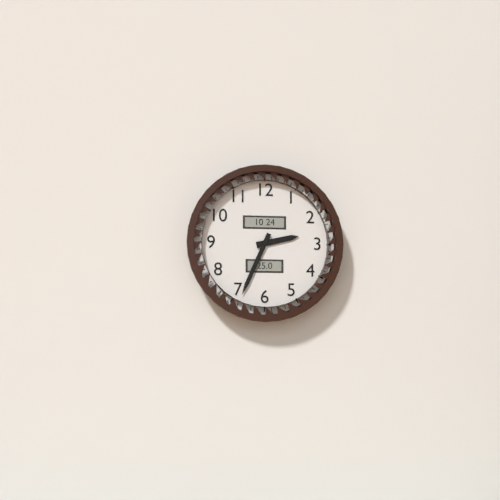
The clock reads 2h34
